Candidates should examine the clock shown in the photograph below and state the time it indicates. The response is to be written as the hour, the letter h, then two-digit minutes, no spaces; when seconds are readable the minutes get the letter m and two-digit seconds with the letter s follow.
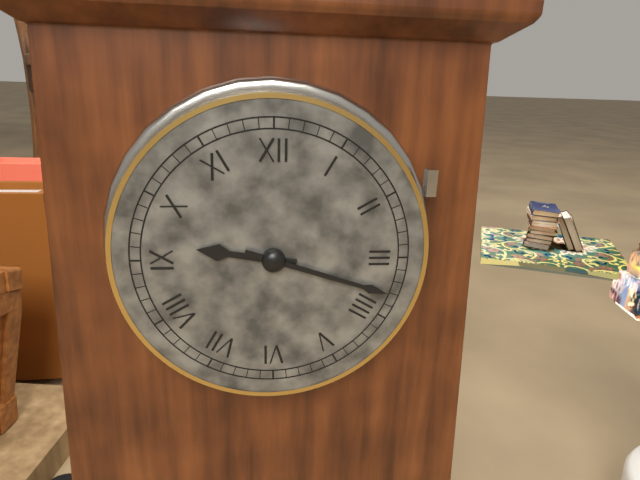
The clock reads 9h18
